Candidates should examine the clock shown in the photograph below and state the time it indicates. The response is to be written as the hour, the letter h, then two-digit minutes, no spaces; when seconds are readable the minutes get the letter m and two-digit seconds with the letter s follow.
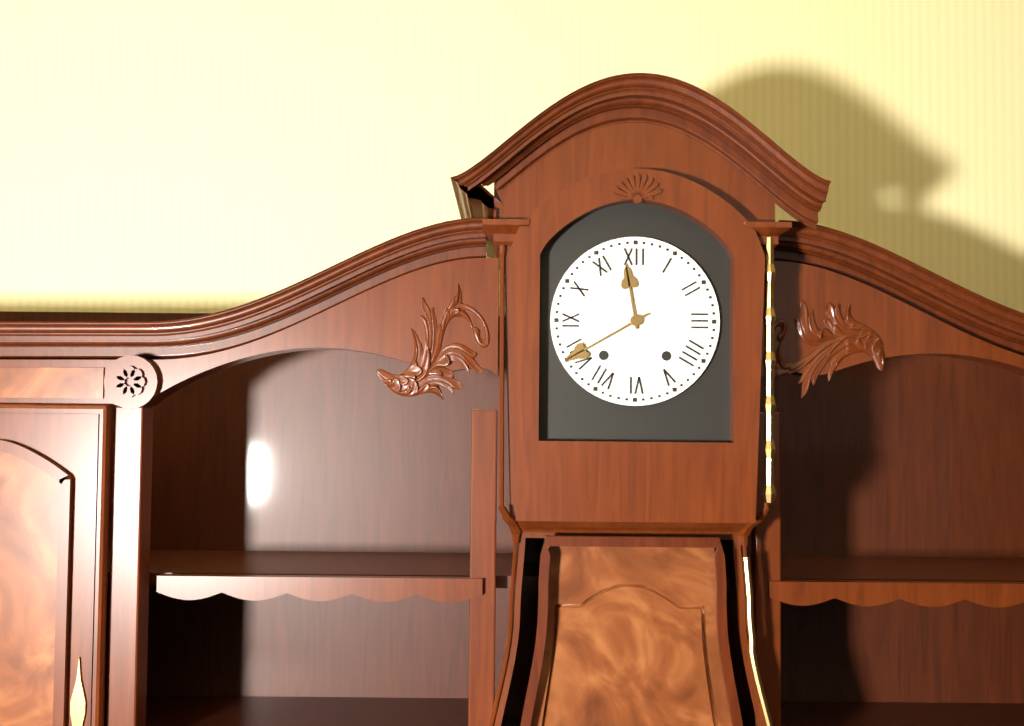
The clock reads 11h40
